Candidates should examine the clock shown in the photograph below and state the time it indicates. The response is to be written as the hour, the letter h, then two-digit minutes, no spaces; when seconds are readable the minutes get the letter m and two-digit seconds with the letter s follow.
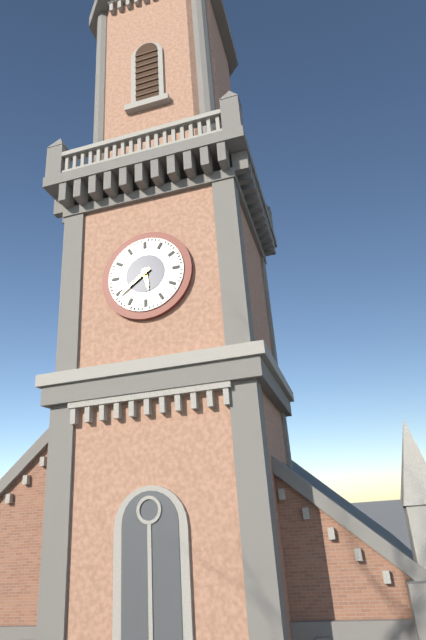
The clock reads 5h39
